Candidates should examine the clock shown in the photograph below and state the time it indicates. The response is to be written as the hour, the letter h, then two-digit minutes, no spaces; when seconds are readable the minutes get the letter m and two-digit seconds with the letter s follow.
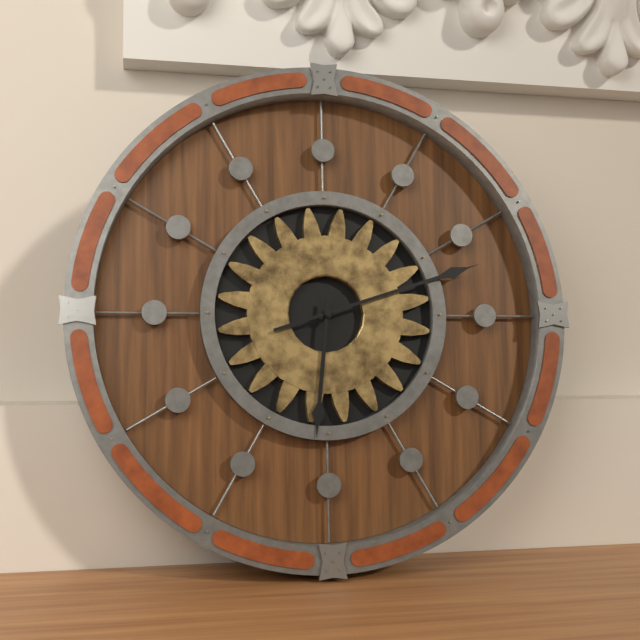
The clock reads 6h12
